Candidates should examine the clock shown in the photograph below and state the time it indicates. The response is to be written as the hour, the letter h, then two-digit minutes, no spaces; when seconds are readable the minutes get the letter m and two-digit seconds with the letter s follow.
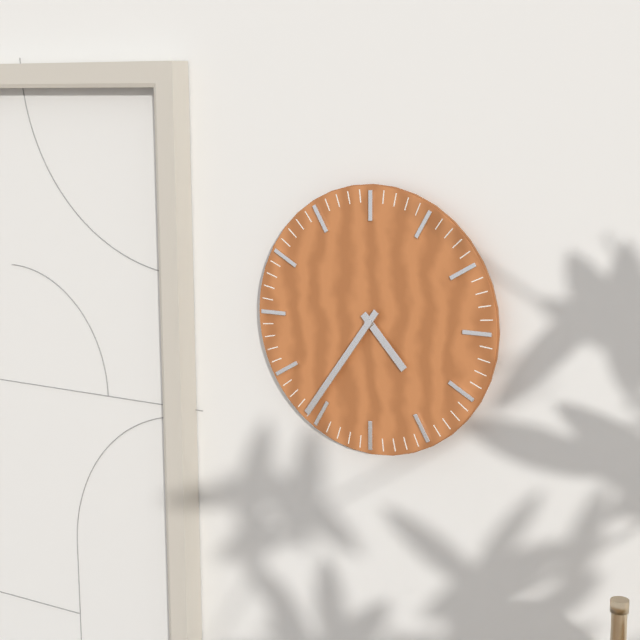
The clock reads 4h36
